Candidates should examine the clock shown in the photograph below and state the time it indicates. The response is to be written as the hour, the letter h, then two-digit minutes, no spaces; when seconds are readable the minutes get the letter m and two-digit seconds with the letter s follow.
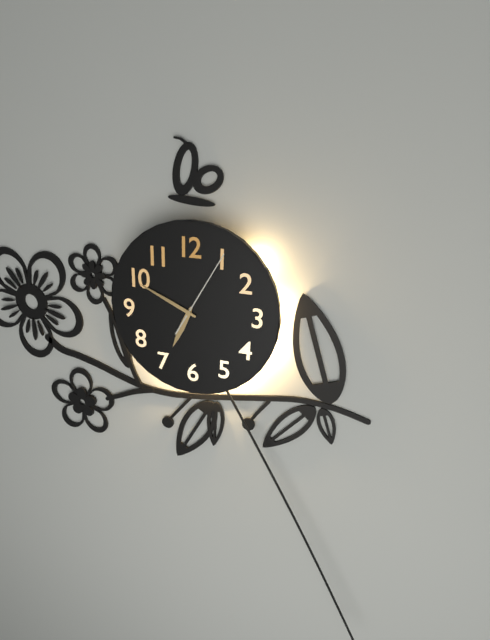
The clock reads 6h49m05s
